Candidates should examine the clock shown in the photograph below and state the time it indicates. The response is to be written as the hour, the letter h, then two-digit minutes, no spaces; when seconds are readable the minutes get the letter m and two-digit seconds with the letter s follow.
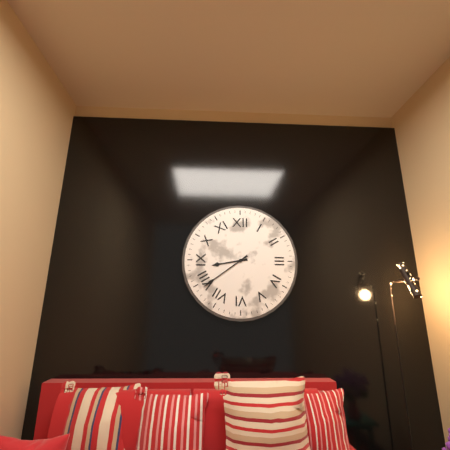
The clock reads 8h39
